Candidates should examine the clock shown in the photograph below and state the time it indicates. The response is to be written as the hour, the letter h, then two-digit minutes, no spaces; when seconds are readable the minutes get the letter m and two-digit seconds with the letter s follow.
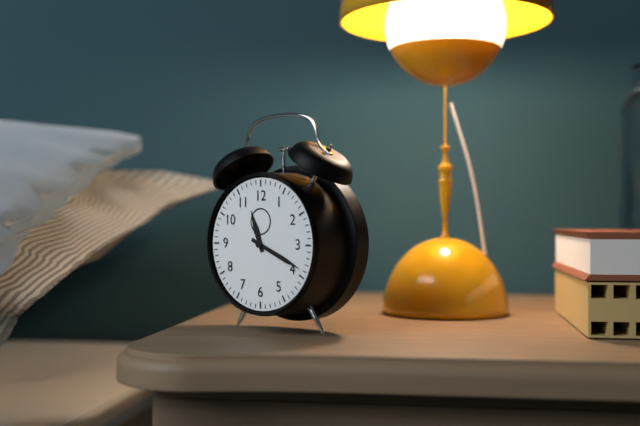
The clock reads 11h19
